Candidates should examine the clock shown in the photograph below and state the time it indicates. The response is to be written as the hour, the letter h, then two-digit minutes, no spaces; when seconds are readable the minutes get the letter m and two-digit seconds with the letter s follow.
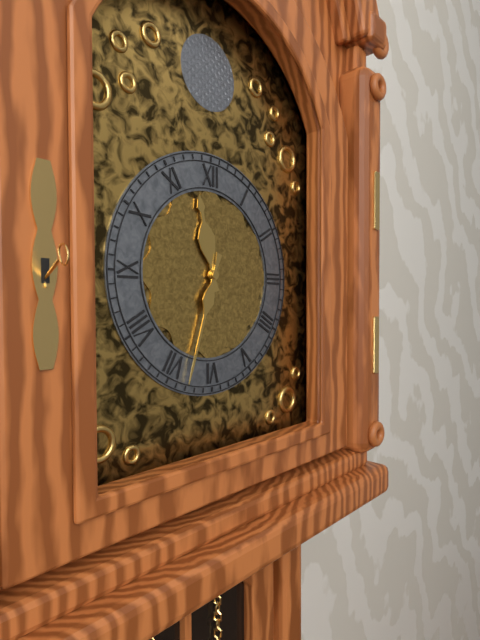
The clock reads 11h33
